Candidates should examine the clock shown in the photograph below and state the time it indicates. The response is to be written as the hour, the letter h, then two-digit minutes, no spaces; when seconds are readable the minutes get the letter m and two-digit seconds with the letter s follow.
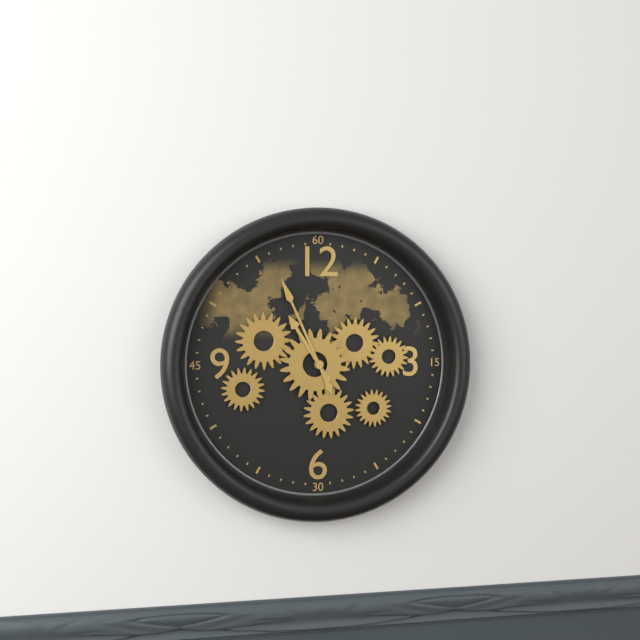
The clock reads 10h56
